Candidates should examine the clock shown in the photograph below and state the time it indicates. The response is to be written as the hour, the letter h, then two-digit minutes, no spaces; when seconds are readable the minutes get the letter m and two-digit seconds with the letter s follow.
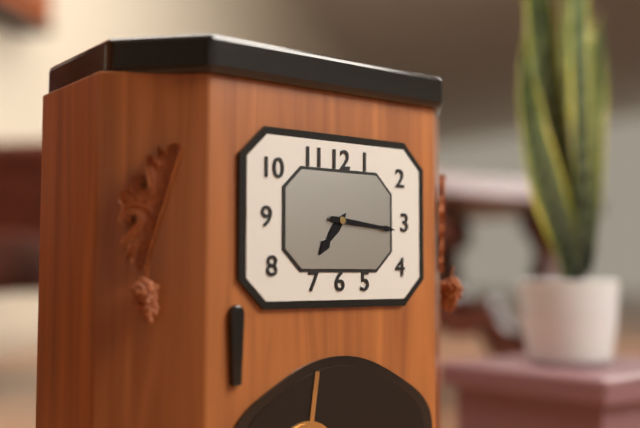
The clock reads 7h16
